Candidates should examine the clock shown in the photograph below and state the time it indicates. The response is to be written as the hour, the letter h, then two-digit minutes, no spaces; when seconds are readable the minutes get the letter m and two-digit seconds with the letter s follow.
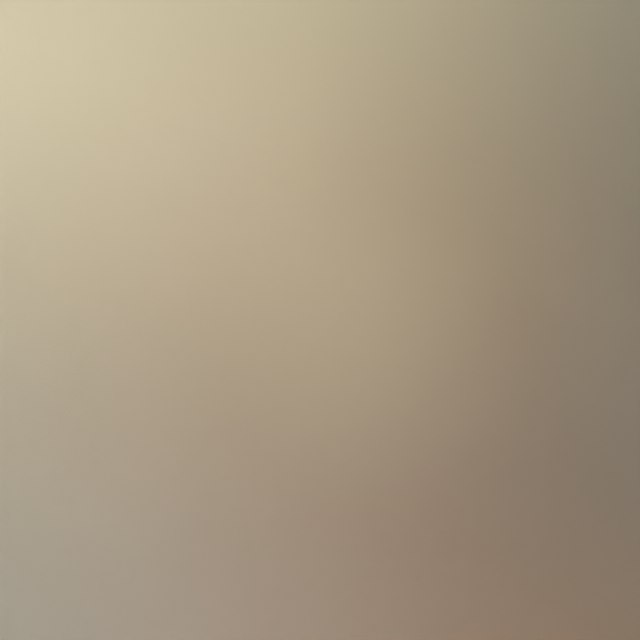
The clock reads 11h09
